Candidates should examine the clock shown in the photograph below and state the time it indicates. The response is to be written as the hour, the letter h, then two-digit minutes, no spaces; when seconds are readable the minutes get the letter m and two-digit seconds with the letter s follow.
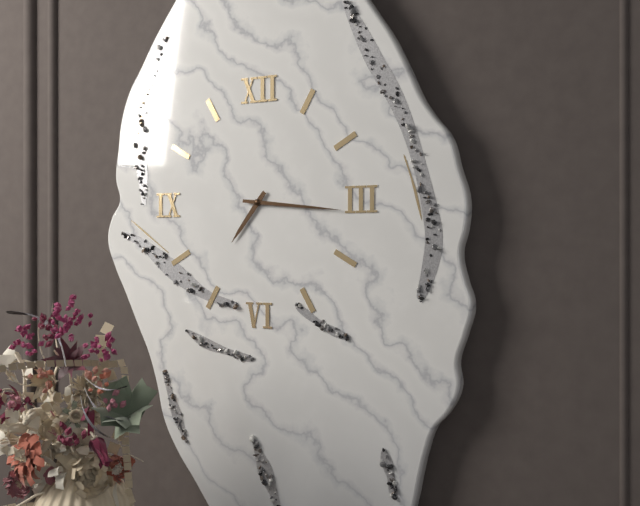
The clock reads 7h16
